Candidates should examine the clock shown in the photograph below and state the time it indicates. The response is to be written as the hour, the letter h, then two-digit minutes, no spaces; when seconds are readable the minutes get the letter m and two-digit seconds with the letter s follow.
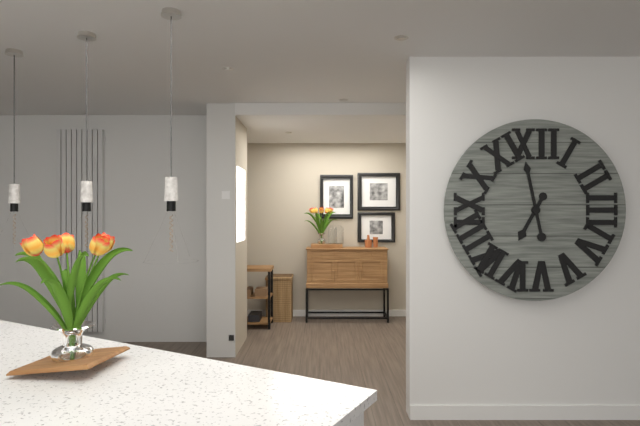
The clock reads 6h58
